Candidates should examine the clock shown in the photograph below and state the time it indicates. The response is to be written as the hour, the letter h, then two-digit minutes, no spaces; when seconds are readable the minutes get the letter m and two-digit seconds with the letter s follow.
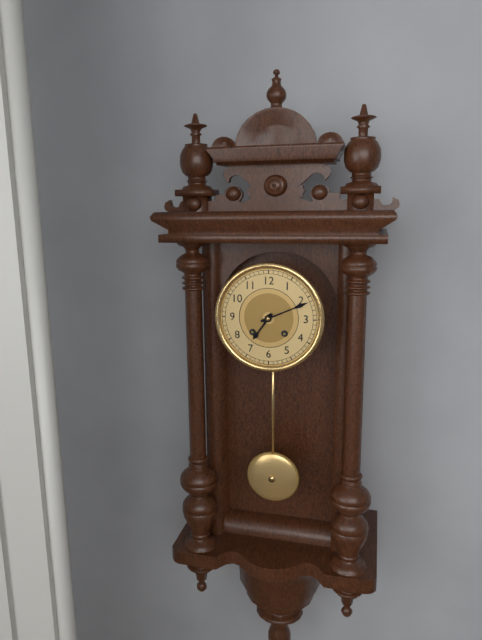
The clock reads 7h11
